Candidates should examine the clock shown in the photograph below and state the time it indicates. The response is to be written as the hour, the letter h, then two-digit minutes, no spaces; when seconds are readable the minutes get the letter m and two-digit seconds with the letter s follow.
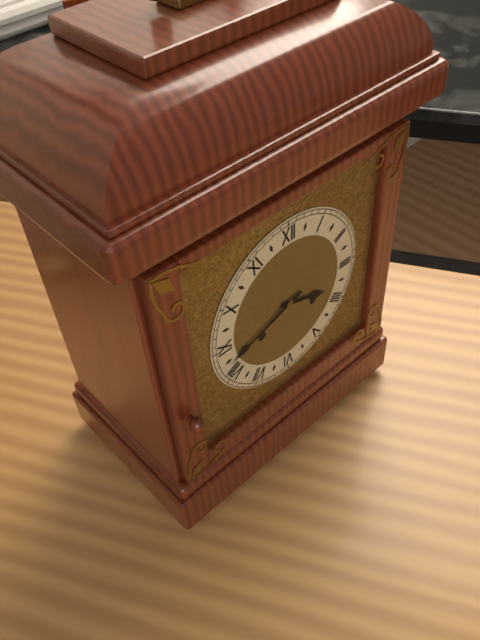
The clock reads 3h42
